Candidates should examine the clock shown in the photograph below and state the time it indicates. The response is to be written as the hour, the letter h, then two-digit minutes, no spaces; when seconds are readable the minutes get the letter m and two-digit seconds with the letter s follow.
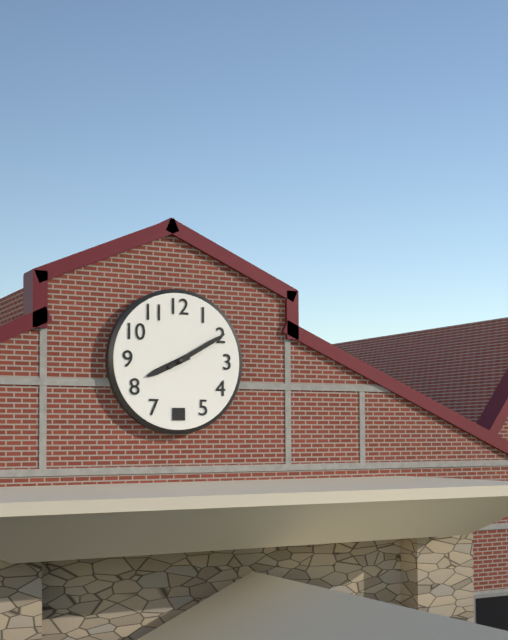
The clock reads 8h10
